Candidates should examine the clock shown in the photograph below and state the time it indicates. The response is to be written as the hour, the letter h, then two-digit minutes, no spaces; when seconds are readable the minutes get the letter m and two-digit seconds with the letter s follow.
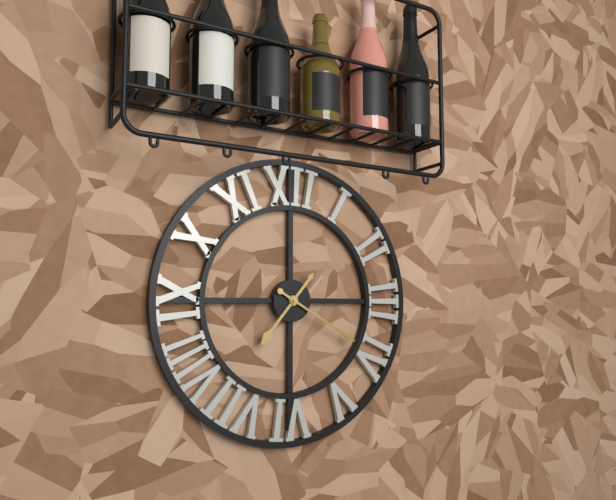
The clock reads 7h20
